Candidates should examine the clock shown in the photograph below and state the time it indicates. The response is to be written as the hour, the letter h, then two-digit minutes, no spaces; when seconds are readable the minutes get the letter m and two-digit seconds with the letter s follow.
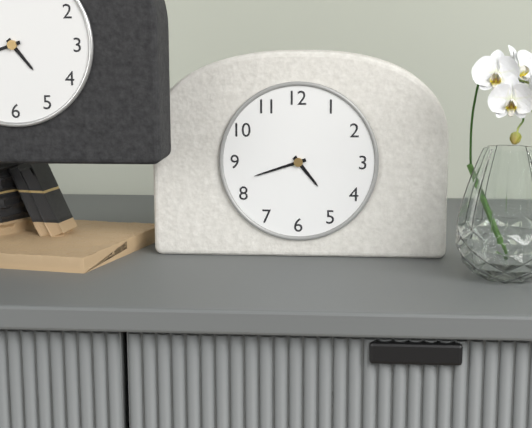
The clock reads 4h42
